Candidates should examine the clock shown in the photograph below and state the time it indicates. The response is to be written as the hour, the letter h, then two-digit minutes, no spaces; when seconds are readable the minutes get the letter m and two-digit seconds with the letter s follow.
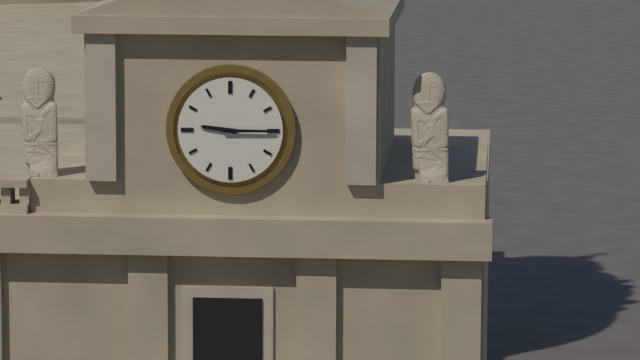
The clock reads 9h15
